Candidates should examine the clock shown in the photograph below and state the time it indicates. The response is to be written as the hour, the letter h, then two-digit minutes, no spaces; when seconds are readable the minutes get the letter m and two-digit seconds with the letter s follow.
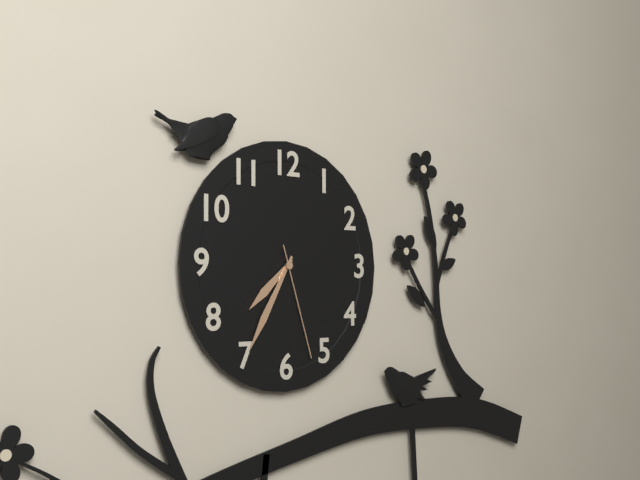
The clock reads 7h35m27s
